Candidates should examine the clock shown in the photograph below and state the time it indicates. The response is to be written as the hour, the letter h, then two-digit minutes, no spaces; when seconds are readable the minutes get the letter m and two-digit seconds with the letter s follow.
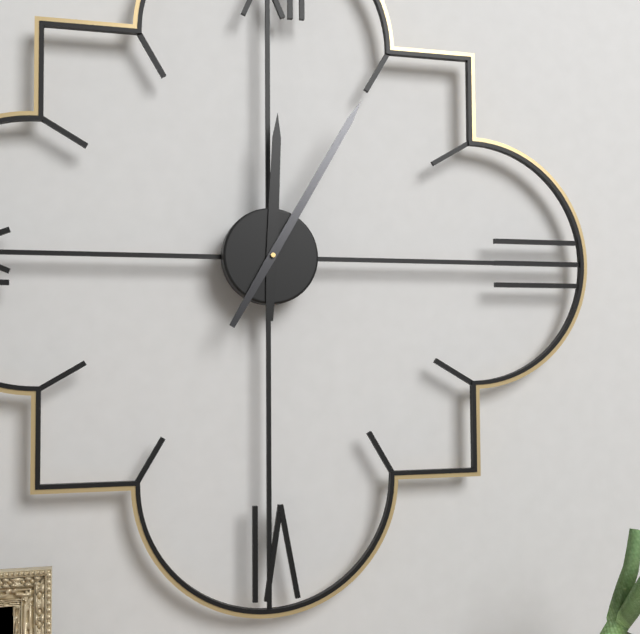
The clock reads 12h05
